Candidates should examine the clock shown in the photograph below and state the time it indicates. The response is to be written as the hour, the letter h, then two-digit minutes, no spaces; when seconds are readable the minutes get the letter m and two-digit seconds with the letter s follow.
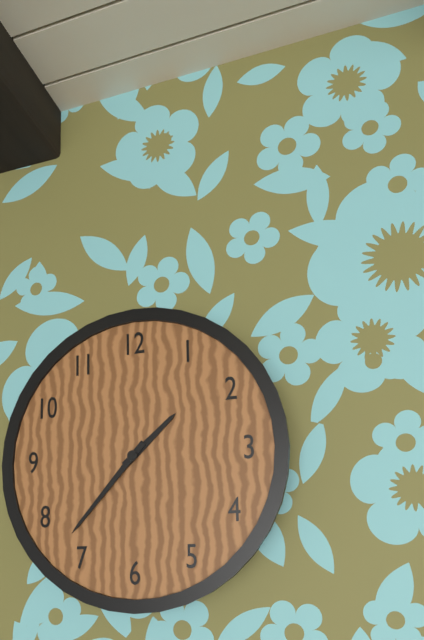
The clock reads 1h37
